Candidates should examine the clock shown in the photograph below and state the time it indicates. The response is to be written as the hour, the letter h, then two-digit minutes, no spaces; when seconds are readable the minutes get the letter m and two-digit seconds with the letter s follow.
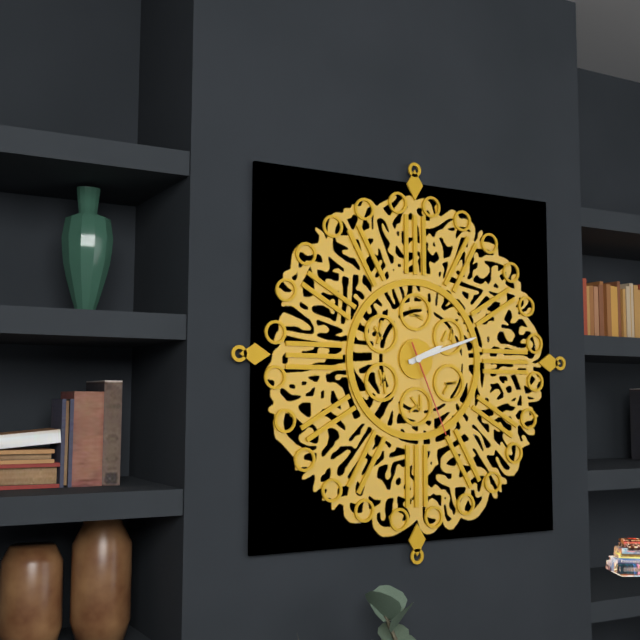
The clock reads 2h12m26s
